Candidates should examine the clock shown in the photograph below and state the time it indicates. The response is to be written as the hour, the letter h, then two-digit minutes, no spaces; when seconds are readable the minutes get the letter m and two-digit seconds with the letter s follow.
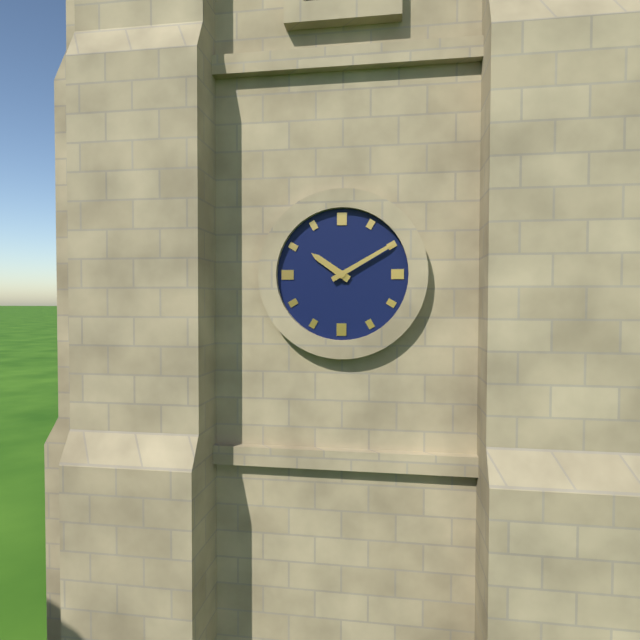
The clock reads 10h10
